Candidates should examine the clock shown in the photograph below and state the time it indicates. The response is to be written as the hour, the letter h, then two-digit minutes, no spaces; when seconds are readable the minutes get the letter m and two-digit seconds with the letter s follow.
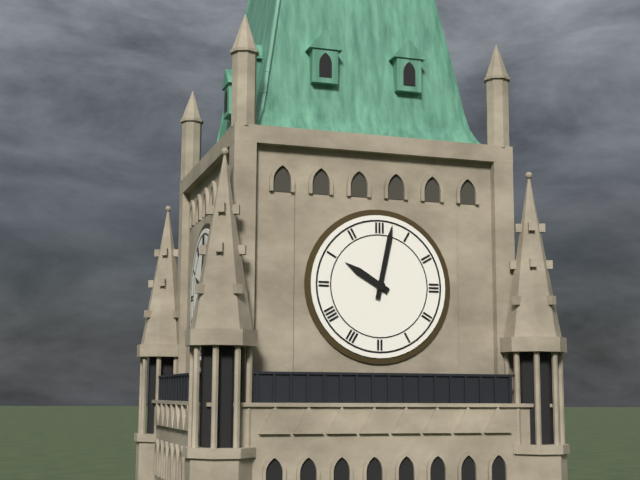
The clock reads 10h02
